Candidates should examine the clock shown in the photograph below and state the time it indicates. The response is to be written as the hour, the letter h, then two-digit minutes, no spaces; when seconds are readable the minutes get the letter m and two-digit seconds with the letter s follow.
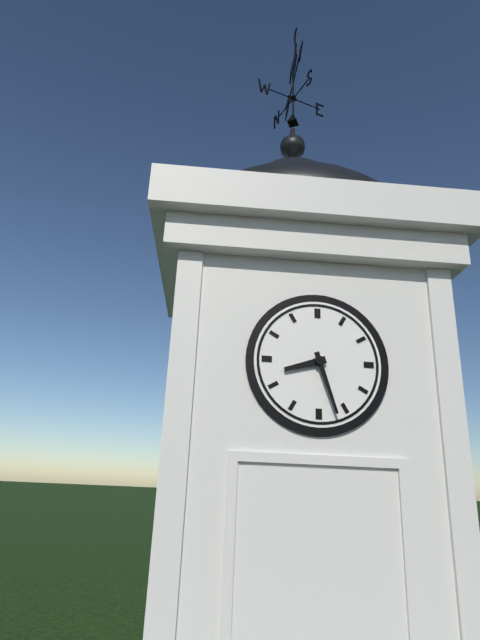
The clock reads 8h27
